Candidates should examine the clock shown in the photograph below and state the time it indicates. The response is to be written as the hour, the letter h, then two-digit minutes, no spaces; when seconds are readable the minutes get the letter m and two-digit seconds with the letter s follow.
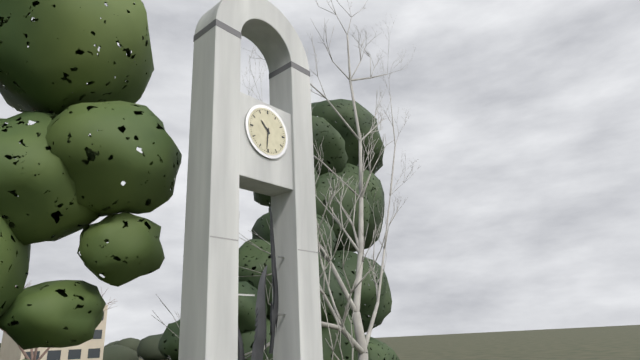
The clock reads 10h31
